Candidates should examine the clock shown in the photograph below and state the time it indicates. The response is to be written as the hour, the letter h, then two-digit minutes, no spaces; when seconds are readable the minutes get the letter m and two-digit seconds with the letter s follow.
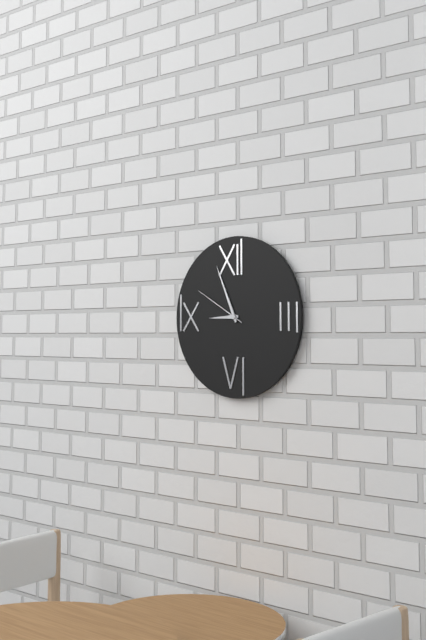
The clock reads 8h56m50s
